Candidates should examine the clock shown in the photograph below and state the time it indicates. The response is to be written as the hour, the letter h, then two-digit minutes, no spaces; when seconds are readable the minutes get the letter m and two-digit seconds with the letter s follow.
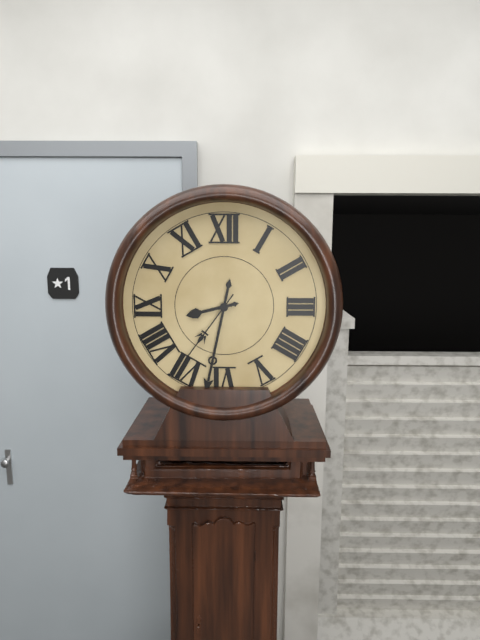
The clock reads 8h32m36s
